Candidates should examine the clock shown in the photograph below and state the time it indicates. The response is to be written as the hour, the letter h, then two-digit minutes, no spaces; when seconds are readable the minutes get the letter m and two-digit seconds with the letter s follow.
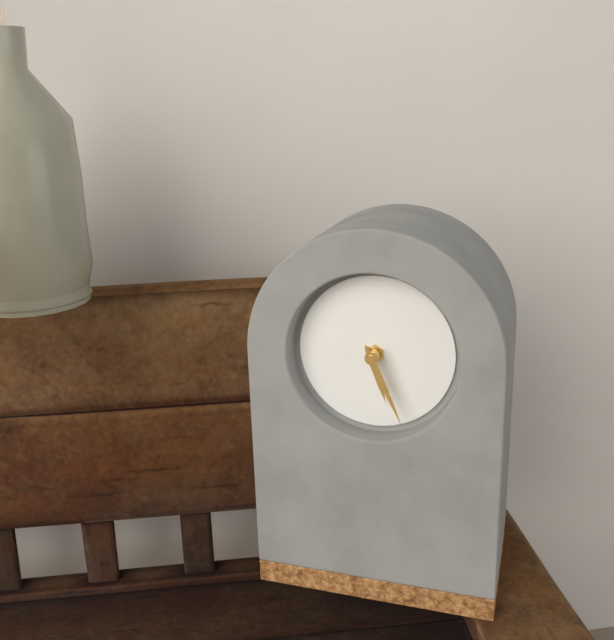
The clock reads 5h26
